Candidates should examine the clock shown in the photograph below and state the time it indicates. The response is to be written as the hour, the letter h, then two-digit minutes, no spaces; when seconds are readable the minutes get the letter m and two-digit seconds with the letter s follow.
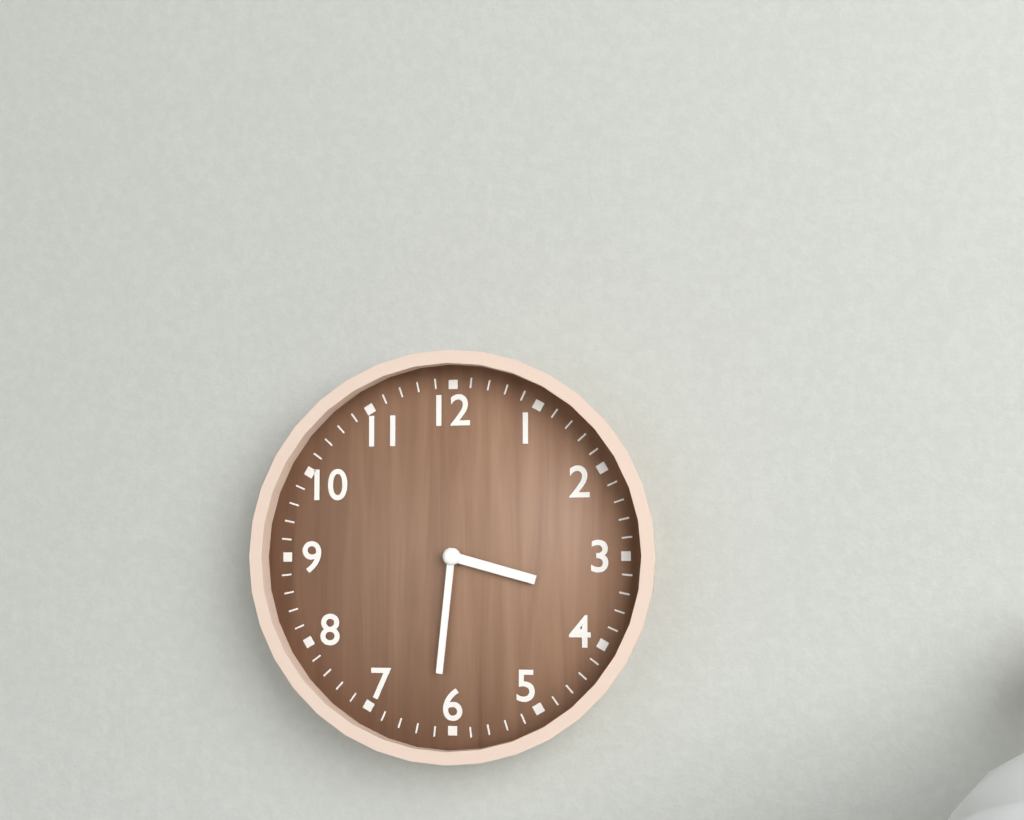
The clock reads 3h31
